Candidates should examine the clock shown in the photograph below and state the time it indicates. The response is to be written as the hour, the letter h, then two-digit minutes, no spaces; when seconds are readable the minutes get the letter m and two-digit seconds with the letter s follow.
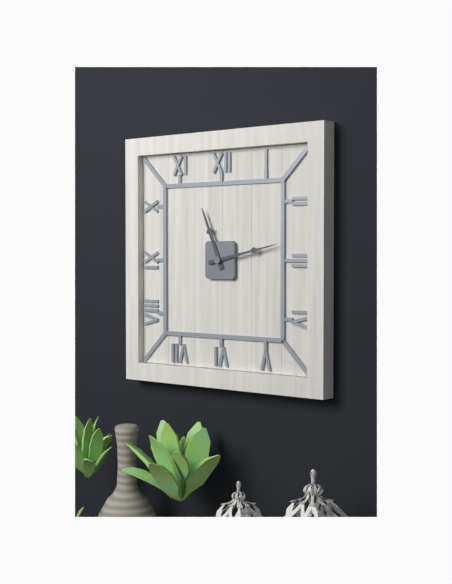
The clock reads 11h13
